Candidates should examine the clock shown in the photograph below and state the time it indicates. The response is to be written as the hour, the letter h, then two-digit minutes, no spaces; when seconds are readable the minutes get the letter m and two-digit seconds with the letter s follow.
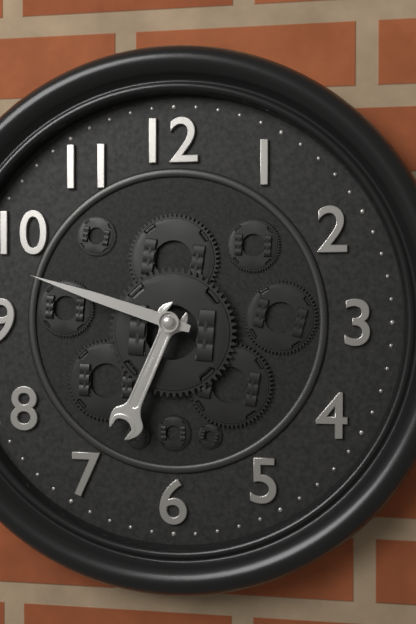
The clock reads 6h48
